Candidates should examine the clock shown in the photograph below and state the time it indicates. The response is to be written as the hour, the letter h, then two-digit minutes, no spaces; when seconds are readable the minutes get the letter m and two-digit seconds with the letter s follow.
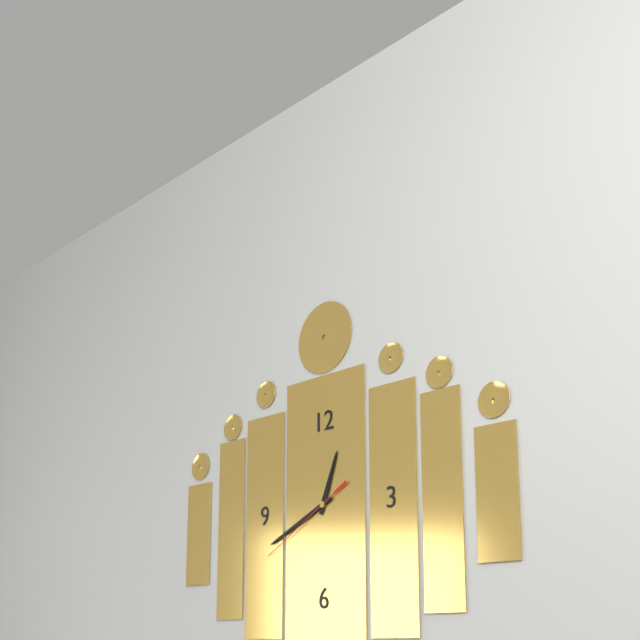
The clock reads 12h41m40s
